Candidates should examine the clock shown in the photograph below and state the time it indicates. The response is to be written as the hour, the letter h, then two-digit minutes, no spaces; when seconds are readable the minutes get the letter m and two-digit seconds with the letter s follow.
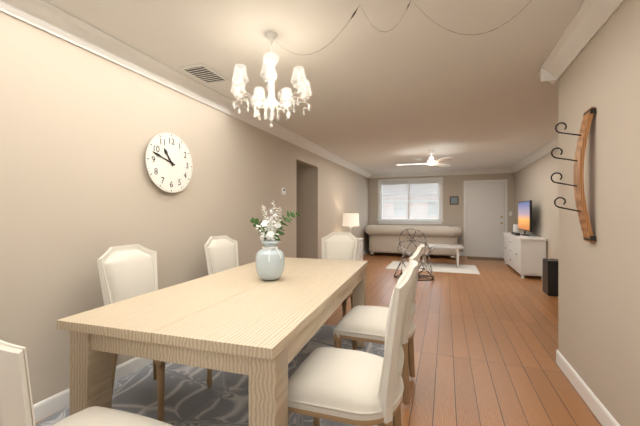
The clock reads 10h48
